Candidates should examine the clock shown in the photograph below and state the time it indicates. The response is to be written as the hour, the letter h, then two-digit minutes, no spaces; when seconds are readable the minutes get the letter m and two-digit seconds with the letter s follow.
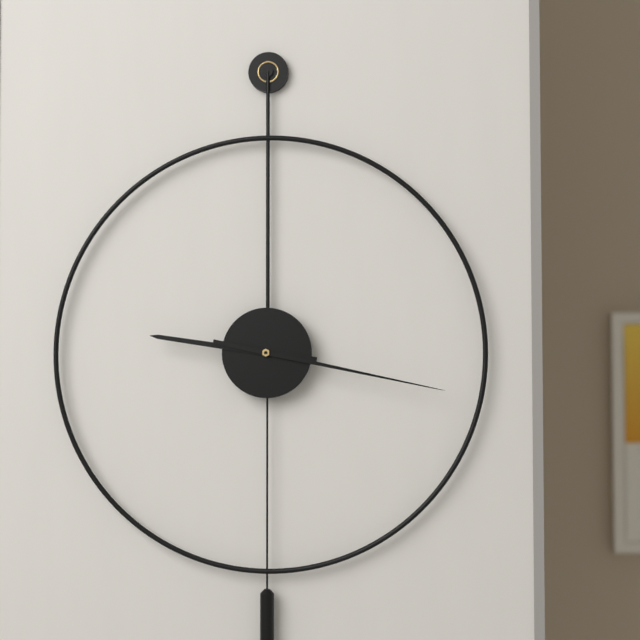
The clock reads 9h17
